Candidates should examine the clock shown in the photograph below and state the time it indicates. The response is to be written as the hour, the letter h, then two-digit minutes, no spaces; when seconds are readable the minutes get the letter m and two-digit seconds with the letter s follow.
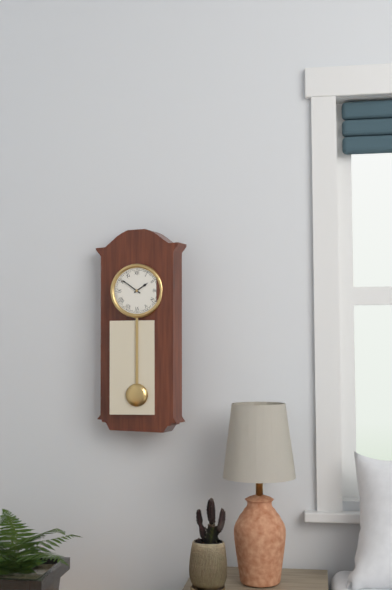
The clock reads 1h51
